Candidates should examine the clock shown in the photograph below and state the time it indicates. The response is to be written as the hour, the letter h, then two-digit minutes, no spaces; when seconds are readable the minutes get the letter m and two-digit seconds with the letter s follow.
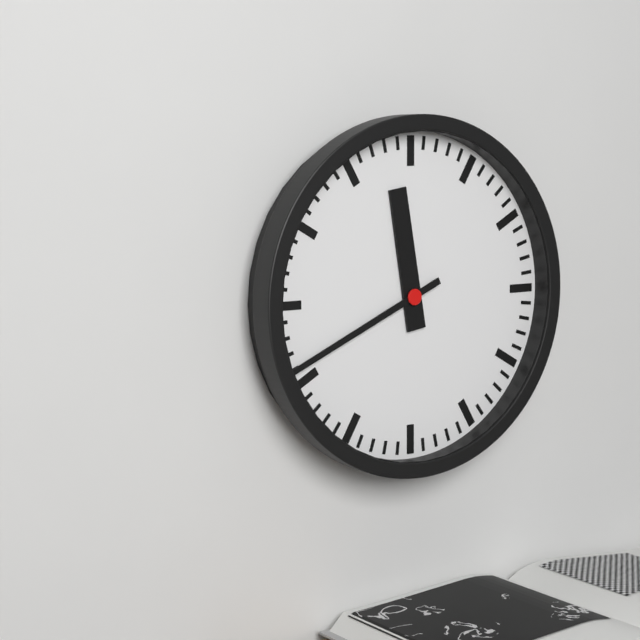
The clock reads 11h41
